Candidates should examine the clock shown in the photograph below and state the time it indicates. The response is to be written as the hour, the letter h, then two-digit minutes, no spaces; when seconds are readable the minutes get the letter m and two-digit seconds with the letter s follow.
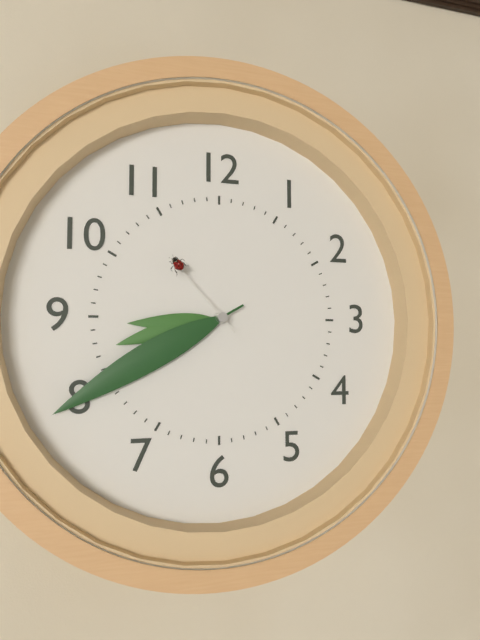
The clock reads 8h40m53s
